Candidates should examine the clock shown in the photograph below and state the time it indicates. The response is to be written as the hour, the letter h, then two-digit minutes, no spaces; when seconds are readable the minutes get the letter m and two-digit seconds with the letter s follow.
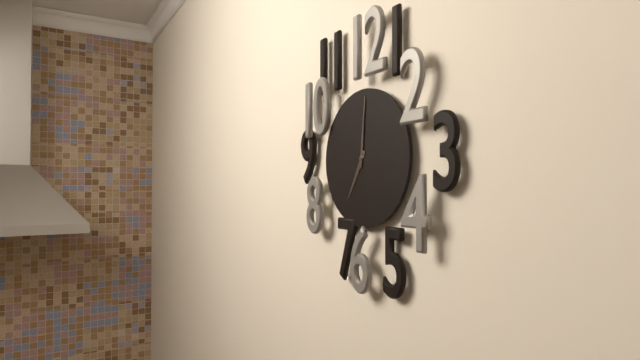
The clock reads 7h01
